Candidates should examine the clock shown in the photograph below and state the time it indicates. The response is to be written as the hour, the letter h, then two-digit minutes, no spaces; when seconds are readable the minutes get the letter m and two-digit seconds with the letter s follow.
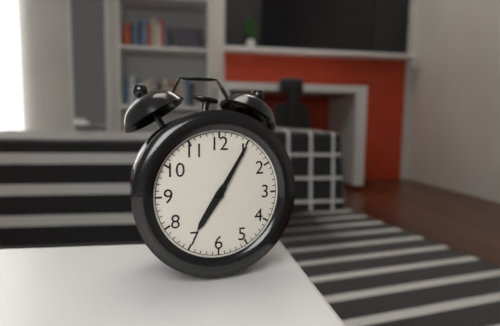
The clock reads 7h05
